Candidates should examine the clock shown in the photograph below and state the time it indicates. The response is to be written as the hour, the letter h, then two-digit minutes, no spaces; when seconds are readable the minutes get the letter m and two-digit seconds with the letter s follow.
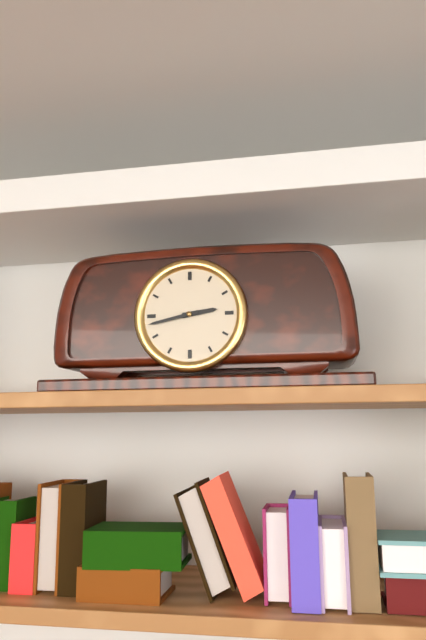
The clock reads 2h43
